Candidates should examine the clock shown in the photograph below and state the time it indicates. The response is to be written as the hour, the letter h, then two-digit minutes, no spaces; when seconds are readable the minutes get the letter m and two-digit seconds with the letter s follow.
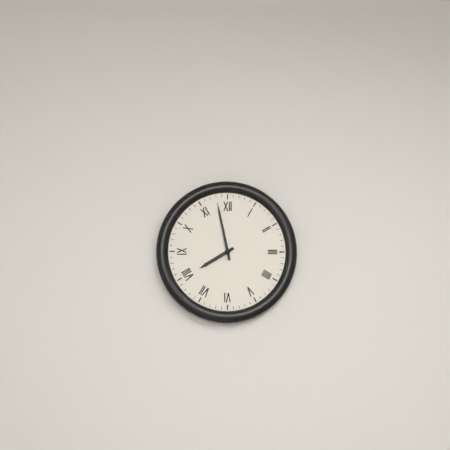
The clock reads 7h58
